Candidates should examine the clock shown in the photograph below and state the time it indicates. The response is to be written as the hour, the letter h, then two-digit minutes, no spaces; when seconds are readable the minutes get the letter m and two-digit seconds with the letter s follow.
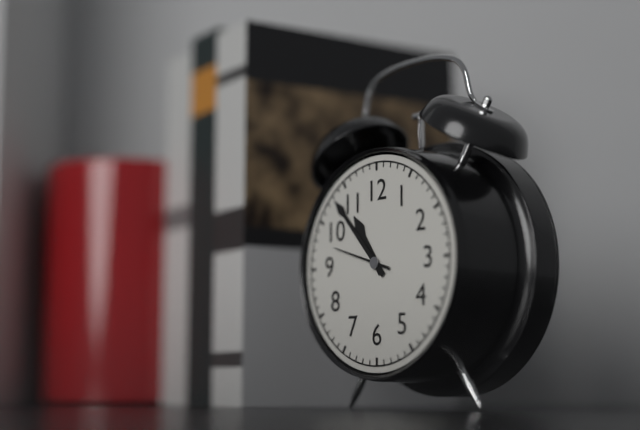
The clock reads 10h53m48s
